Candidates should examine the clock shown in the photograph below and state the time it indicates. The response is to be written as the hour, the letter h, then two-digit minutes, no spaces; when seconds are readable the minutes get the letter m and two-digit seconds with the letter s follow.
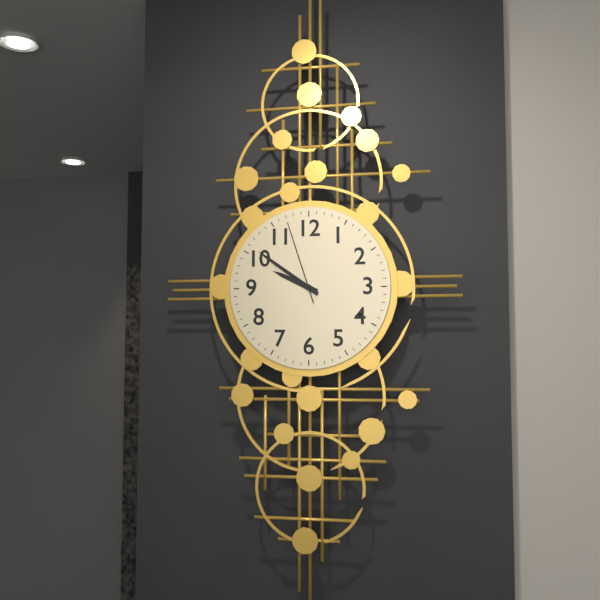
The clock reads 9h51m57s
